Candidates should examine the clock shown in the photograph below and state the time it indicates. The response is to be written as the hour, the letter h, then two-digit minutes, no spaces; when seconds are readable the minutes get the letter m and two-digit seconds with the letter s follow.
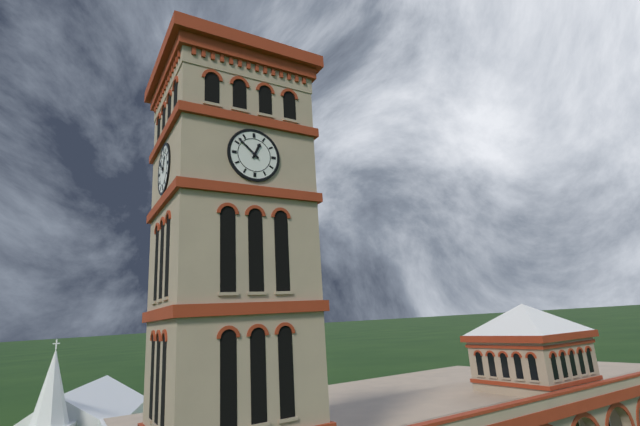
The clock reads 12h52
